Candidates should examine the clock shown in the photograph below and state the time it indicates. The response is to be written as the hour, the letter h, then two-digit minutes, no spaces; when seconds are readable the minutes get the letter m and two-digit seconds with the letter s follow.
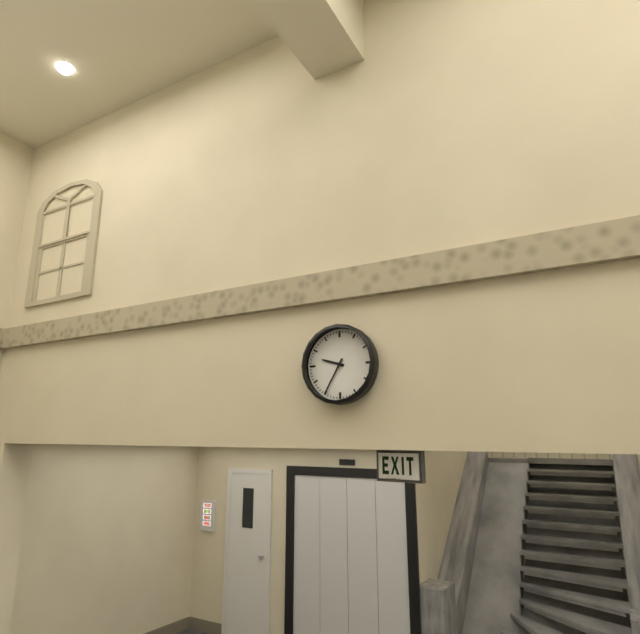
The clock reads 9h35
